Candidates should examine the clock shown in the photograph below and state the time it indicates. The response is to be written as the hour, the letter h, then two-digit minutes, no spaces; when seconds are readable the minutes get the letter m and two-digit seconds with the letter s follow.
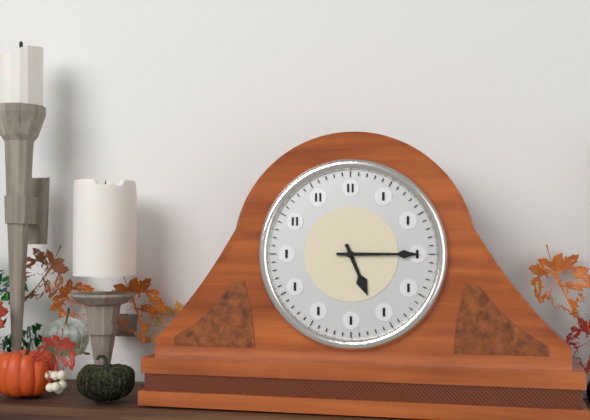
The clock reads 5h15
